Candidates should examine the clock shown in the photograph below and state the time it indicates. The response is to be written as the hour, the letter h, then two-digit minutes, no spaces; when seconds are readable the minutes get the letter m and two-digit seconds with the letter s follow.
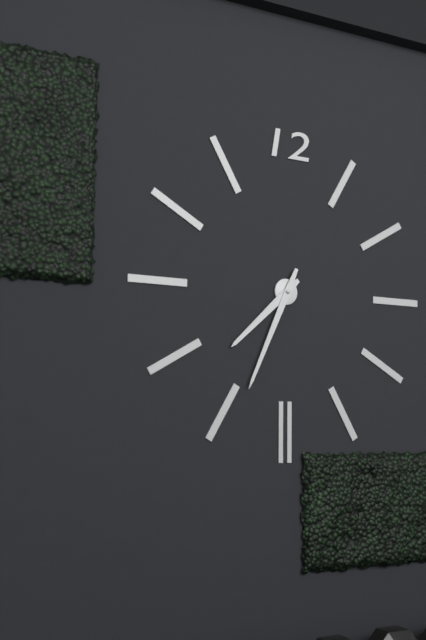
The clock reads 7h34
